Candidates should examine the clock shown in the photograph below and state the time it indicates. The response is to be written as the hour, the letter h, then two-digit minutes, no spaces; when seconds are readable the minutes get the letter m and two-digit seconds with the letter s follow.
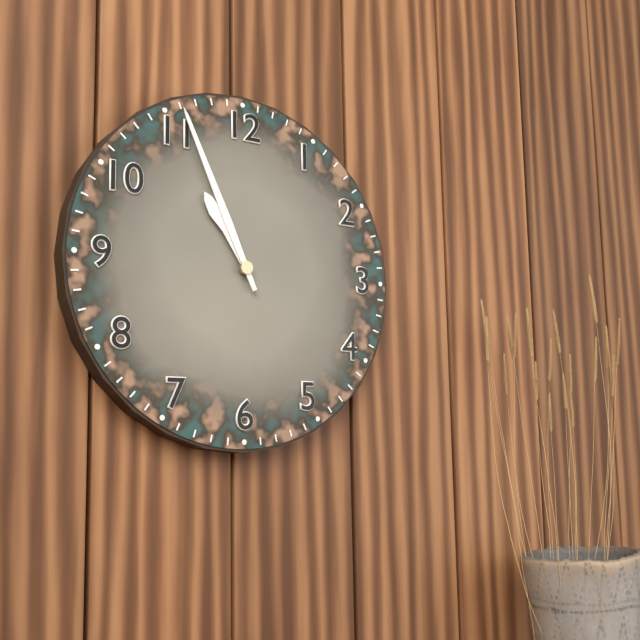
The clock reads 10h56
